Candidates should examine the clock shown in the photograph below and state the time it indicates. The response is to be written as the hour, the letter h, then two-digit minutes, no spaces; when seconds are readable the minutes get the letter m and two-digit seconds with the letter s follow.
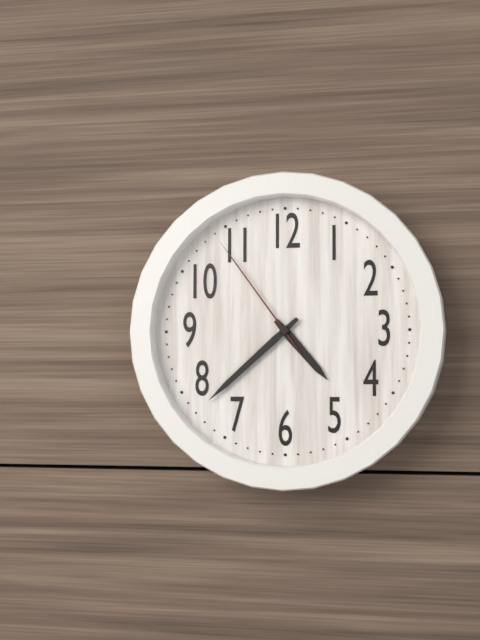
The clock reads 4h38m54s
